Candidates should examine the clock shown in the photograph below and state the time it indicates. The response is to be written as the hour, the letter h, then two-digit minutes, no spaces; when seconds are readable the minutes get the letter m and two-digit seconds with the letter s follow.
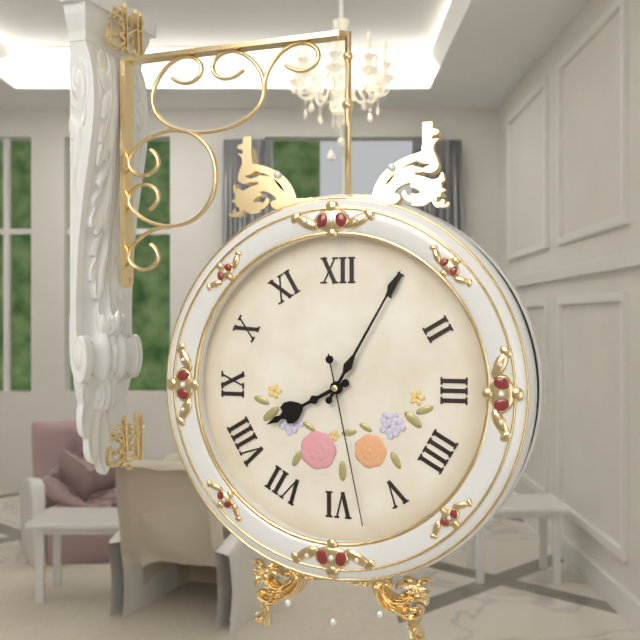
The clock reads 8h05m28s
